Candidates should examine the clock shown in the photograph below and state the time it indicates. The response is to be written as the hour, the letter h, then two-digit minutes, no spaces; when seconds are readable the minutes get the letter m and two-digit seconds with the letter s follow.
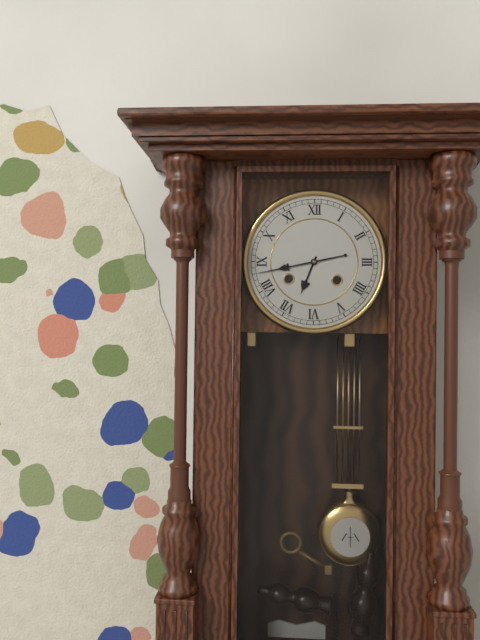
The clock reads 6h43
